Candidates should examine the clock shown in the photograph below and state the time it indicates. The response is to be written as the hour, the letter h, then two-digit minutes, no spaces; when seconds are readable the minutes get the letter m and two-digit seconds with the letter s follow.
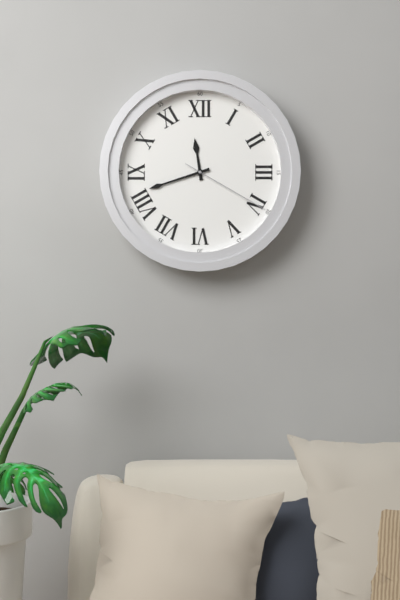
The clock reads 11h42m20s
